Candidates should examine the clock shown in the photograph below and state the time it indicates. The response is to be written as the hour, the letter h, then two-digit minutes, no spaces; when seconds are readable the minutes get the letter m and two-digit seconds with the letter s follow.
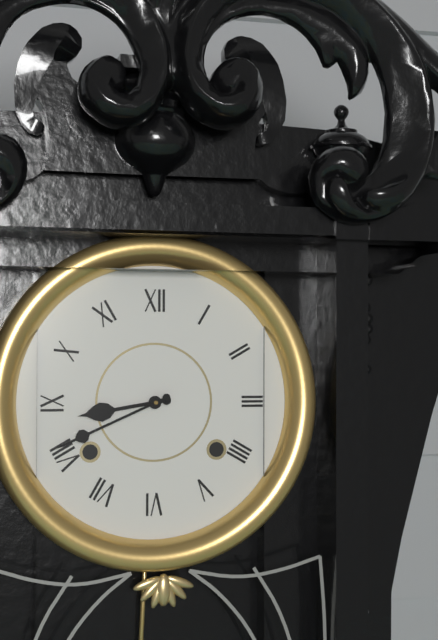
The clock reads 8h41
